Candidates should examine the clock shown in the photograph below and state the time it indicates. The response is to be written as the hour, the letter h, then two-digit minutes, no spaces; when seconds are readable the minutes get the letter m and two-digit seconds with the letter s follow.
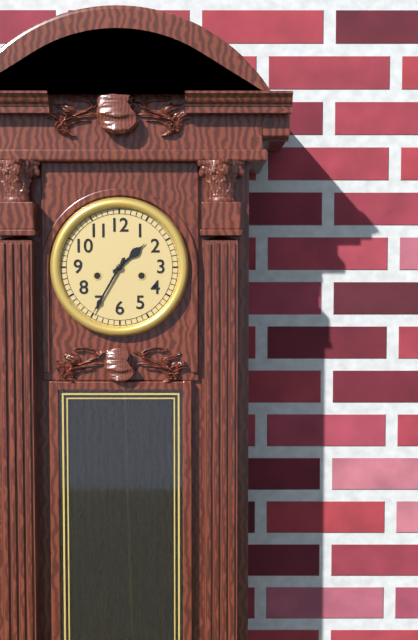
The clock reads 1h35
